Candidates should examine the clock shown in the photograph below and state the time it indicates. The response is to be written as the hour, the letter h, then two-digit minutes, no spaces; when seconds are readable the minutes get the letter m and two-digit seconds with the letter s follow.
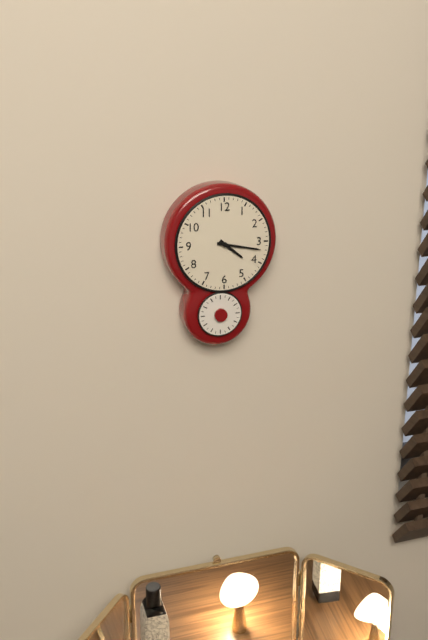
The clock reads 4h17
